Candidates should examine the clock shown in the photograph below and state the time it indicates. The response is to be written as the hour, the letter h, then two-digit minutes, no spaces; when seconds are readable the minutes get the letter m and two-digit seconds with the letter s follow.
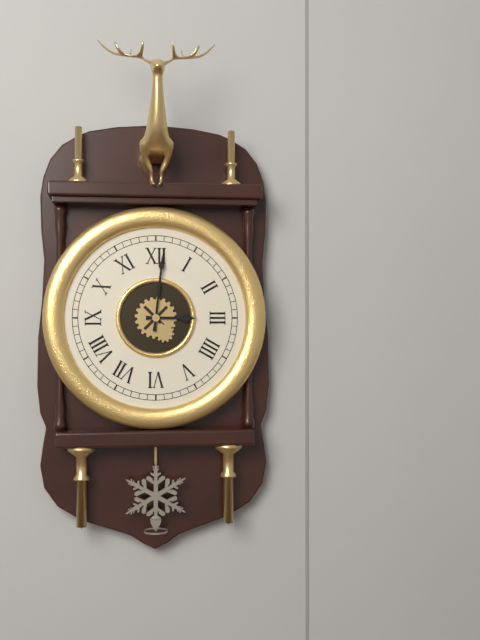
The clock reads 3h01
